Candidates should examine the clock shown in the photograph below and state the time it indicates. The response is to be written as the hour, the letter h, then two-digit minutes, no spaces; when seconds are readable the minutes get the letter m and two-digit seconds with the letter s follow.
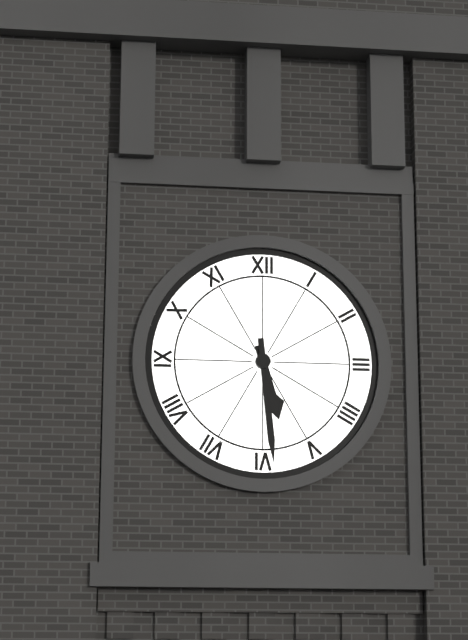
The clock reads 5h29
